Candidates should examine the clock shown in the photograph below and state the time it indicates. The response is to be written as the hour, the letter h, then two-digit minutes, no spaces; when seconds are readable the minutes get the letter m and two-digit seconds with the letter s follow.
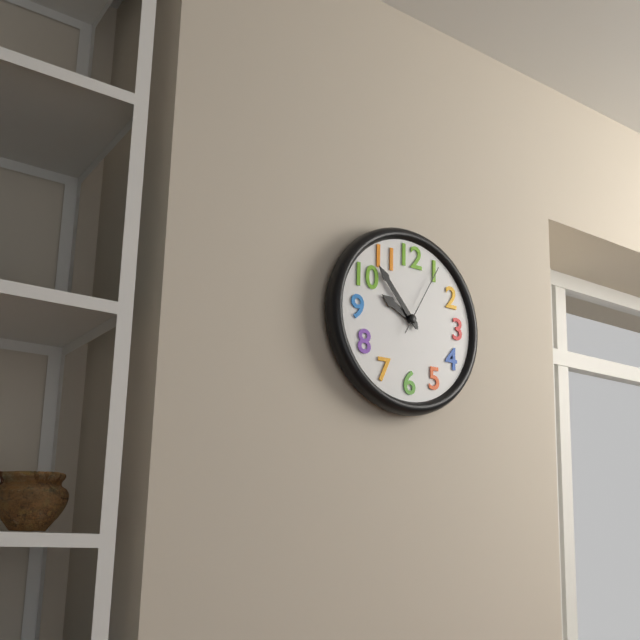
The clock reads 9h53m05s
